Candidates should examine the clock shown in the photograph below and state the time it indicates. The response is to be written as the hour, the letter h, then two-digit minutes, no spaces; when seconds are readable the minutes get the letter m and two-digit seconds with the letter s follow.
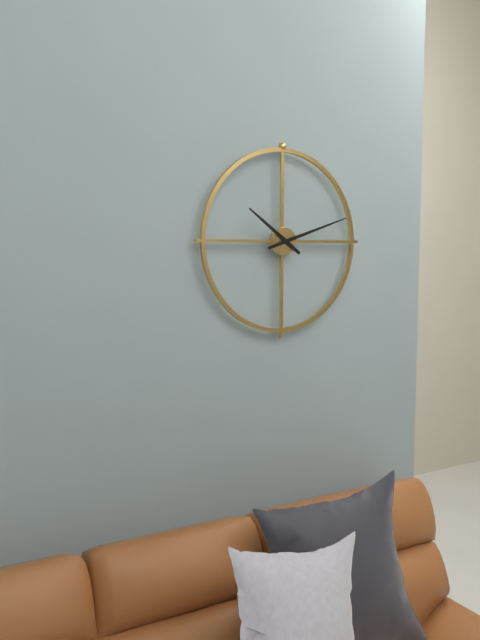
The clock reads 10h12
